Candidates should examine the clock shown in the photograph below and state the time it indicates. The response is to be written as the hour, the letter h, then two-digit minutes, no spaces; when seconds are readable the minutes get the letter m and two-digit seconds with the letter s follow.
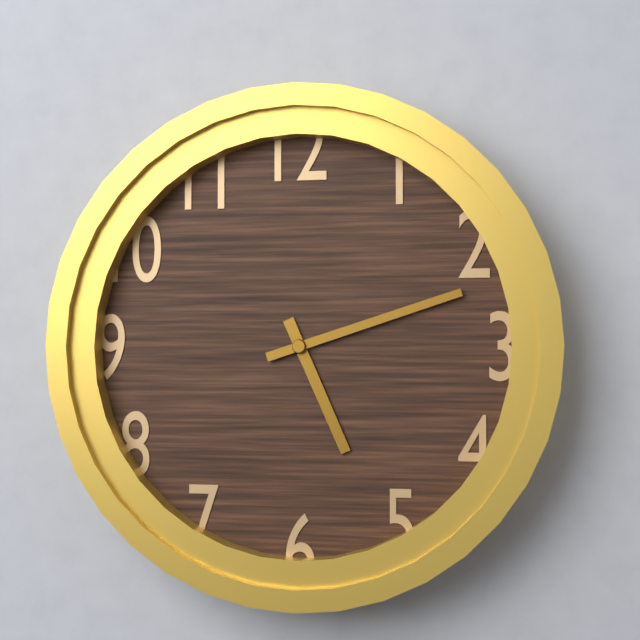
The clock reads 5h12
